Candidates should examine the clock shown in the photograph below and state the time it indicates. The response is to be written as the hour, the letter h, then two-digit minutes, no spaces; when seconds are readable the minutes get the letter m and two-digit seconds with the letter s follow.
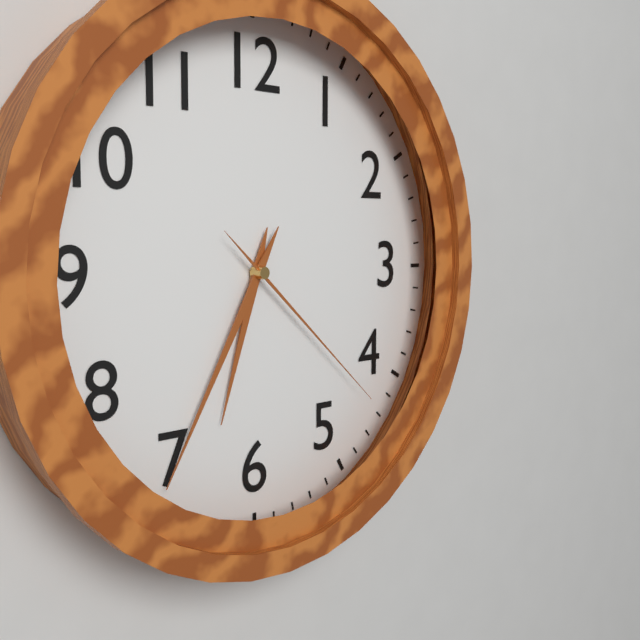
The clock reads 6h35m22s
